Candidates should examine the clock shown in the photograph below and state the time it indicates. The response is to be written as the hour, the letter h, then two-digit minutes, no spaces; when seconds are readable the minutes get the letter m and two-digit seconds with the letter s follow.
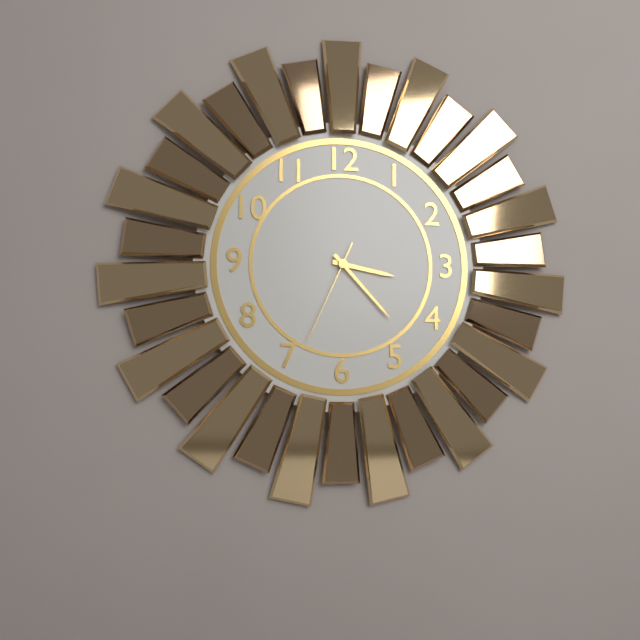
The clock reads 3h23m34s
